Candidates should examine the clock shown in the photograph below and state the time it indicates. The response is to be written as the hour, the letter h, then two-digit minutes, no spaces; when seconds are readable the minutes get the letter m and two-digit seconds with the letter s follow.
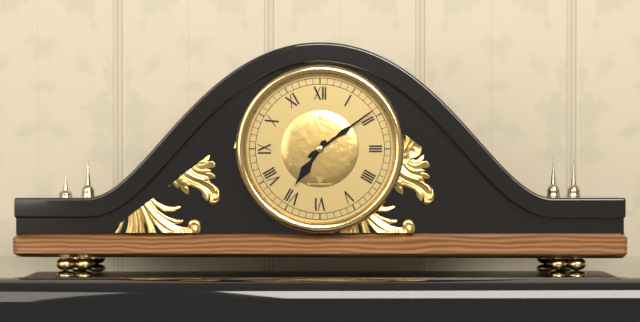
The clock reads 7h09
